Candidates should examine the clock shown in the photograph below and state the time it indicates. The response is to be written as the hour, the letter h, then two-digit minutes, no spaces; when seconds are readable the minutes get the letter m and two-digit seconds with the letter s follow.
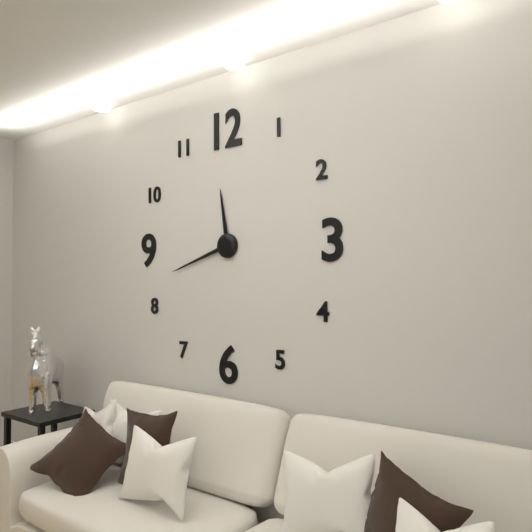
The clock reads 11h42
